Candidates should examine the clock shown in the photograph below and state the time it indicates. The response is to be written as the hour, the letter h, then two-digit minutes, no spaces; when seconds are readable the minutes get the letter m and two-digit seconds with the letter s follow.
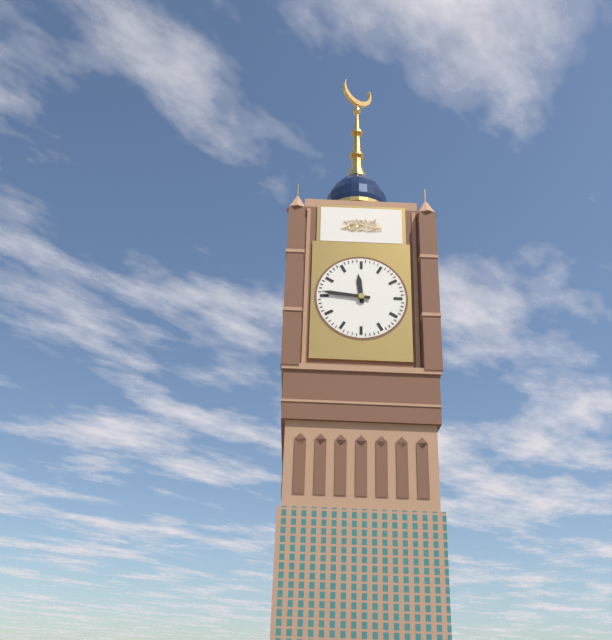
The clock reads 11h46
